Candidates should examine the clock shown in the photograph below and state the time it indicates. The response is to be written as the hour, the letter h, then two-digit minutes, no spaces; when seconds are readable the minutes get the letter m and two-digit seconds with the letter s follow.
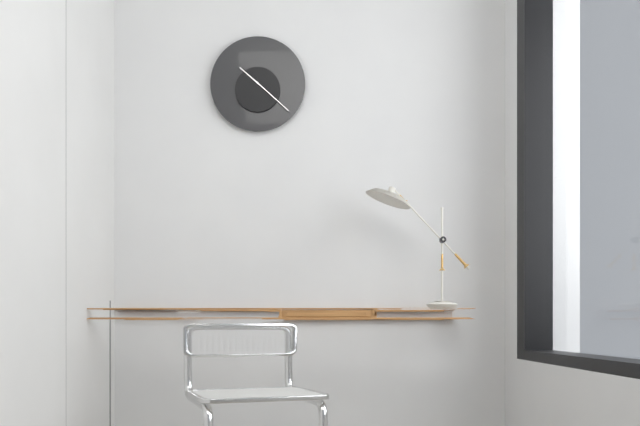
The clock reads 10h22
